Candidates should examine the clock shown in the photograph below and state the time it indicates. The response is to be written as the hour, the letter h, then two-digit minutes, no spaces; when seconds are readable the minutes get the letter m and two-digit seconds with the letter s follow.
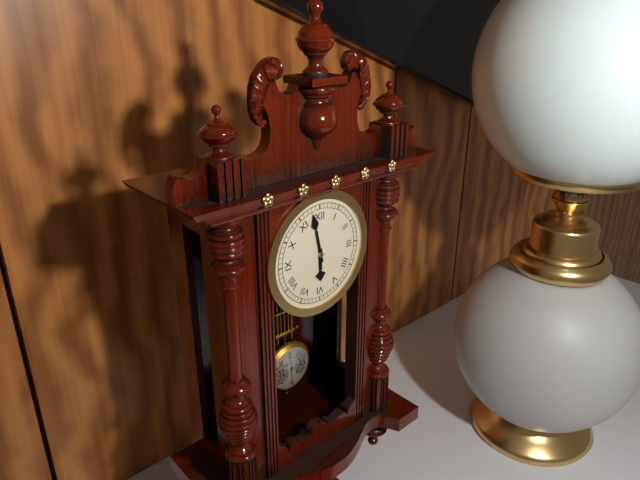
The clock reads 5h58
